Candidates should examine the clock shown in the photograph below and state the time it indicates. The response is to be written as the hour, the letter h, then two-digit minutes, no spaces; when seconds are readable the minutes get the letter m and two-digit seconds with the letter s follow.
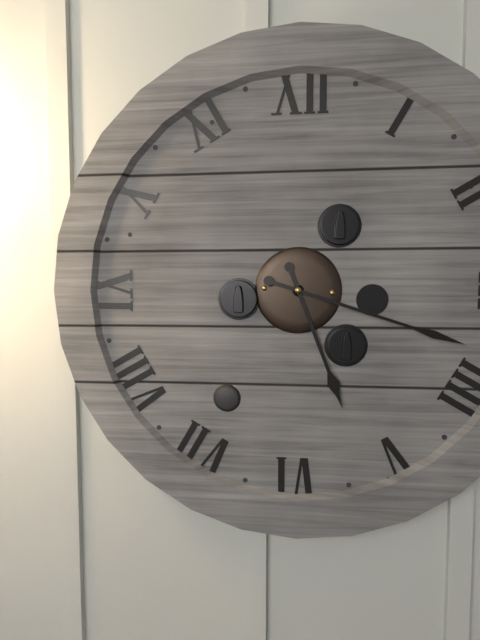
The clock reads 5h18
